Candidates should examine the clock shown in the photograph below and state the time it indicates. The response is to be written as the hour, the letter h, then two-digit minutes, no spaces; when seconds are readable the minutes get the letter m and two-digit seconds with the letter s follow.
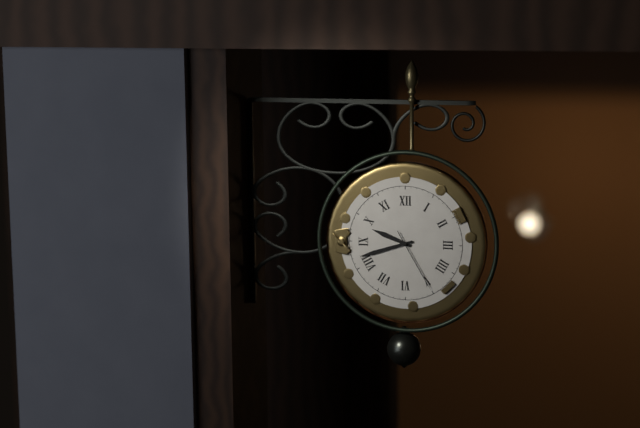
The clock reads 9h42m25s
